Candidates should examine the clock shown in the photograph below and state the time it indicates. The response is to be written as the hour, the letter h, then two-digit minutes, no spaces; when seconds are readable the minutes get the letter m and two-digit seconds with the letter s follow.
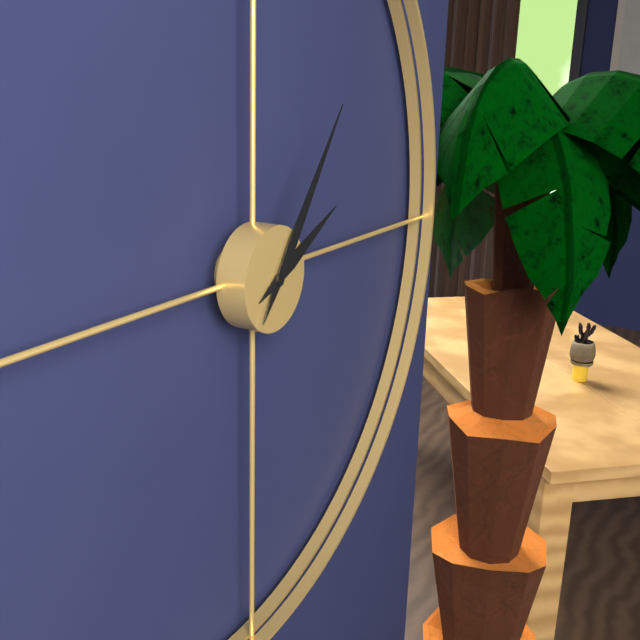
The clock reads 2h06
